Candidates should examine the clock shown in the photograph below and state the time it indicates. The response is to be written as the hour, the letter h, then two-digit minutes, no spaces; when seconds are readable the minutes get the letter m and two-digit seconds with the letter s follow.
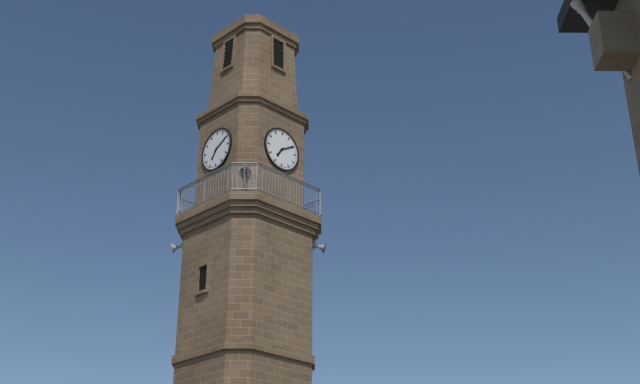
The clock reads 7h10
